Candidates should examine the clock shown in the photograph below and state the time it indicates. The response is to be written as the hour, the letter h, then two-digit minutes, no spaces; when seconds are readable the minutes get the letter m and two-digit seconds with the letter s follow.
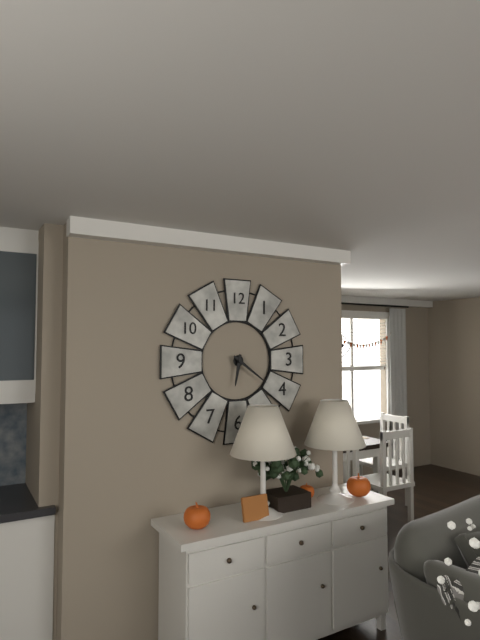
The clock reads 6h21
